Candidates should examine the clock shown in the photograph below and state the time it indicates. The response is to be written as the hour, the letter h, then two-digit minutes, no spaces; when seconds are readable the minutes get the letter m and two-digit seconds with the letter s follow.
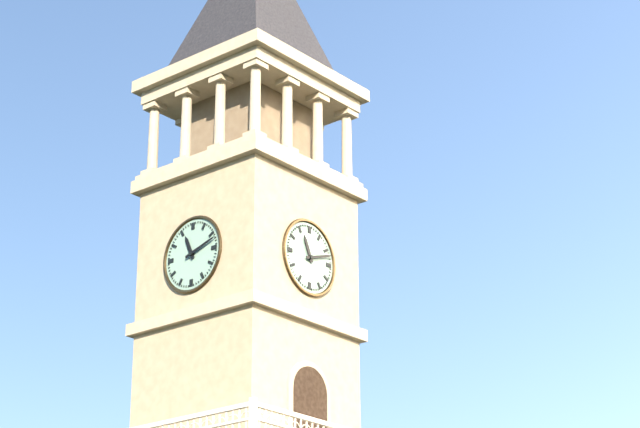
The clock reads 11h12
